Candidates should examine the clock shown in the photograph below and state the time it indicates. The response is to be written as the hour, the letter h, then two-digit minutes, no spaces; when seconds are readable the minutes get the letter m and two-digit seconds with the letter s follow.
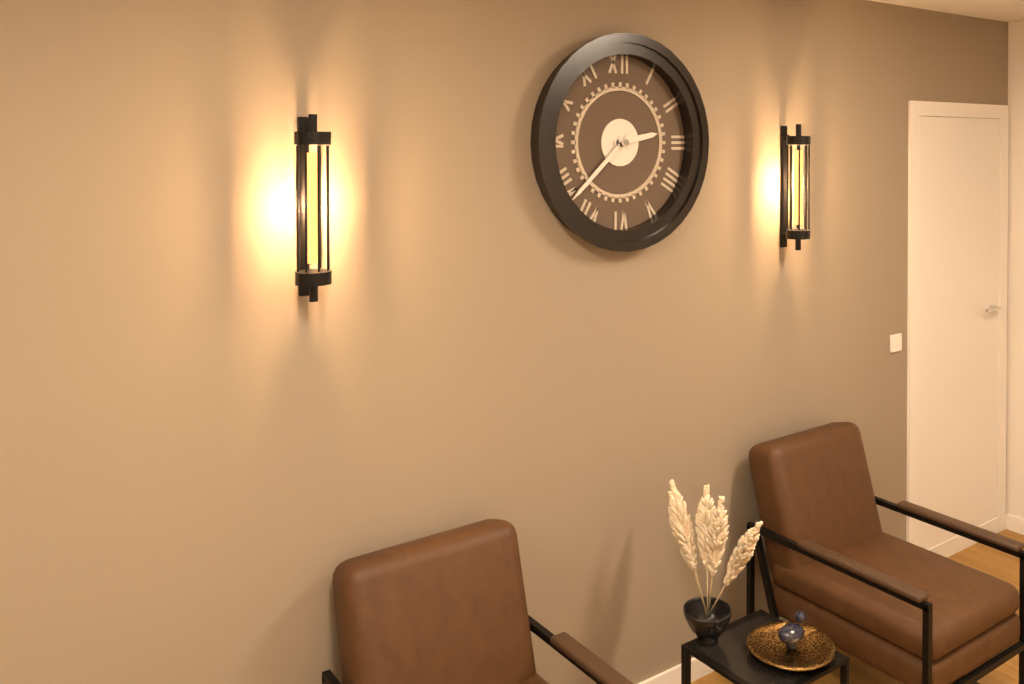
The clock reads 2h38
